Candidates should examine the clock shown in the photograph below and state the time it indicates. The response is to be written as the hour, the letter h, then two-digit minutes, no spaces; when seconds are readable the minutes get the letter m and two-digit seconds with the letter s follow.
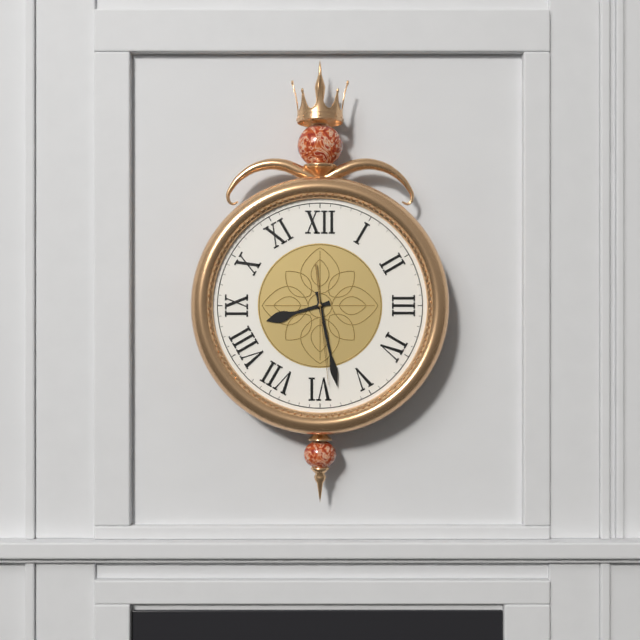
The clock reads 8h28m29s
